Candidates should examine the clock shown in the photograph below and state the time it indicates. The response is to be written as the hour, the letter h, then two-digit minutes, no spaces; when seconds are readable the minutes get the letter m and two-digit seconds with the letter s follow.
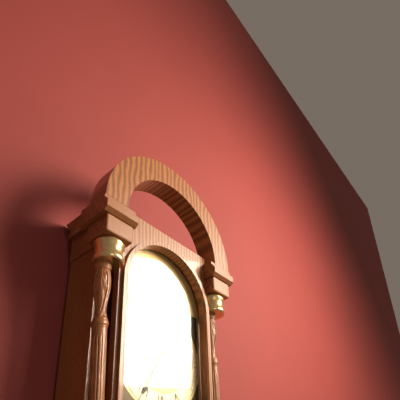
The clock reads 8h35
